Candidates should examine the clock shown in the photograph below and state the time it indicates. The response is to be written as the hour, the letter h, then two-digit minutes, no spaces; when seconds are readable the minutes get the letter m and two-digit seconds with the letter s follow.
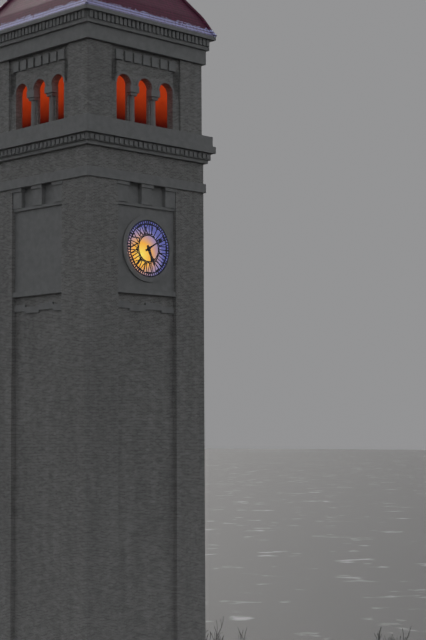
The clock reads 5h10
